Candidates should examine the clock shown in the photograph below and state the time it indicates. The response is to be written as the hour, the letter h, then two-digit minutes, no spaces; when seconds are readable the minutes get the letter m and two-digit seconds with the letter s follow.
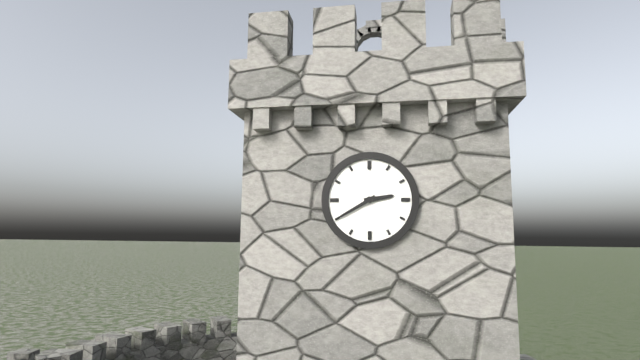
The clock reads 2h40
